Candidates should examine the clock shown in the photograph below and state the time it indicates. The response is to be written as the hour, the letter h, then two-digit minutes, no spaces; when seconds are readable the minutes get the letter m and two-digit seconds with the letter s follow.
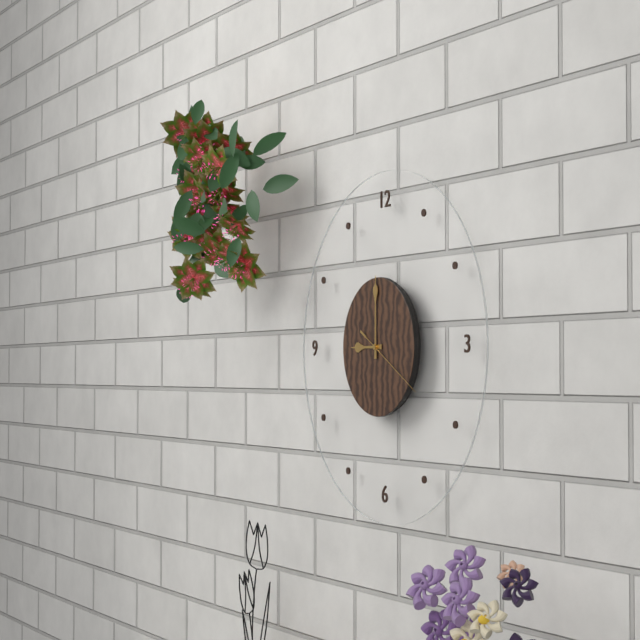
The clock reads 9h00m20s
